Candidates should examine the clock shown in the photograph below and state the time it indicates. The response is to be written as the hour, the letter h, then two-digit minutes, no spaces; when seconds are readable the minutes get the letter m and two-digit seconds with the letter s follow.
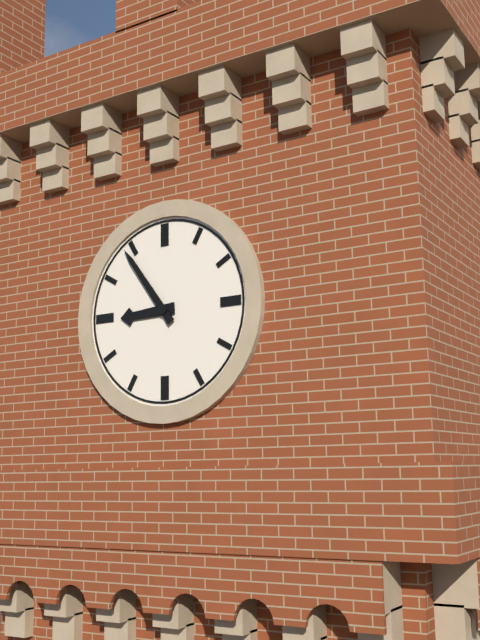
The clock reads 8h54
